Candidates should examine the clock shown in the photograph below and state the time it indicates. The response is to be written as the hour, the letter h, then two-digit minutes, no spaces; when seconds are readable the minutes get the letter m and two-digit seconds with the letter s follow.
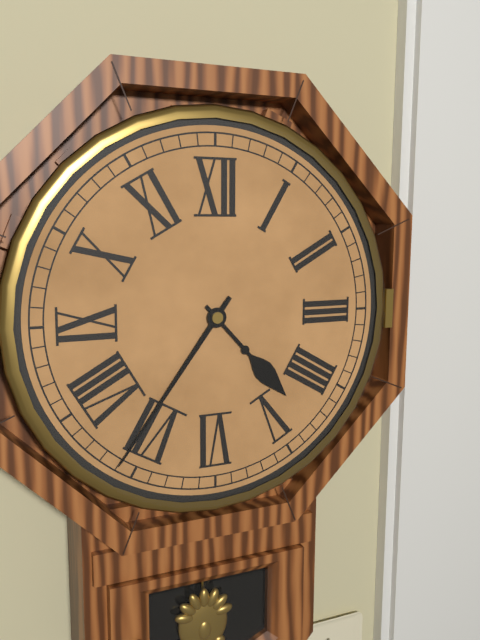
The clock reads 4h36
